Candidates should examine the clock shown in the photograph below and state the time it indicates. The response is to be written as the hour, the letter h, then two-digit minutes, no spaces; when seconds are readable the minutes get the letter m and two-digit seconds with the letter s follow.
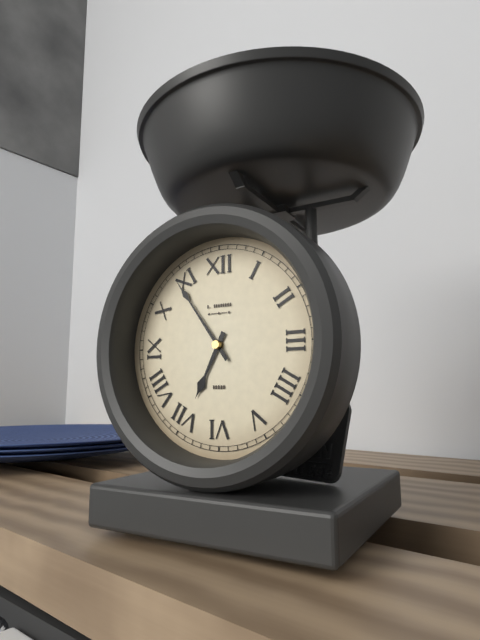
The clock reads 6h54
